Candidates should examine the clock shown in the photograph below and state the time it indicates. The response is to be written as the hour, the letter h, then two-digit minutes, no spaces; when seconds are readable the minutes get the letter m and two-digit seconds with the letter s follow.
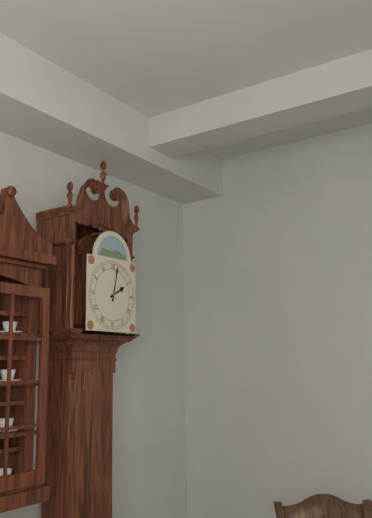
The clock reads 2h02
